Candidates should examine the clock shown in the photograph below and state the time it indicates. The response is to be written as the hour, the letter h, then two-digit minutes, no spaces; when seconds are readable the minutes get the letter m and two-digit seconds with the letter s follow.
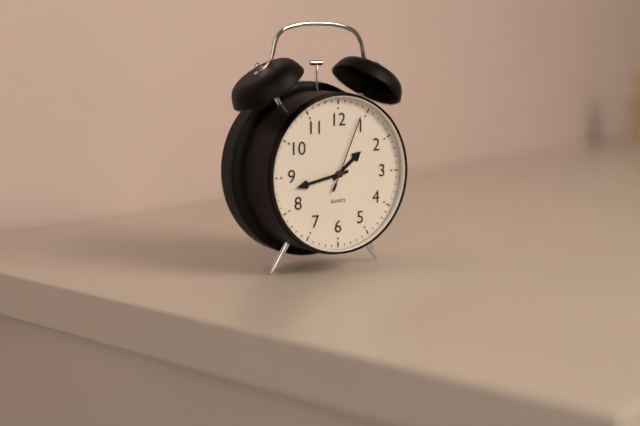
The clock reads 1h43m04s
